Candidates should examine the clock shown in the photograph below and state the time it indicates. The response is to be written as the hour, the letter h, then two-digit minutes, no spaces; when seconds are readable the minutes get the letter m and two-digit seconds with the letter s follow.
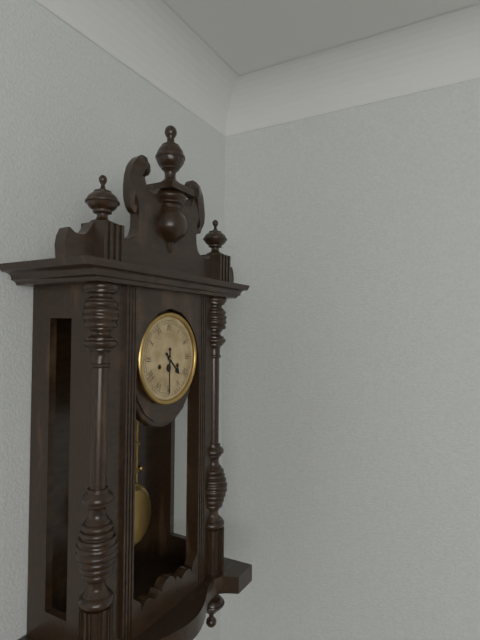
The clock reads 4h30
